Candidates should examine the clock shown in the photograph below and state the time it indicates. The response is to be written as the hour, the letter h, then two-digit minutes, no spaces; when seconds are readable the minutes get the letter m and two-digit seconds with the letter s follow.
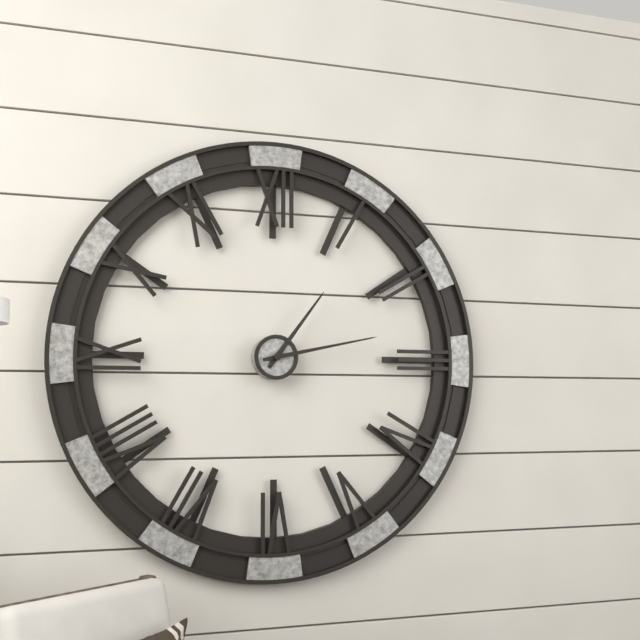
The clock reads 1h13
